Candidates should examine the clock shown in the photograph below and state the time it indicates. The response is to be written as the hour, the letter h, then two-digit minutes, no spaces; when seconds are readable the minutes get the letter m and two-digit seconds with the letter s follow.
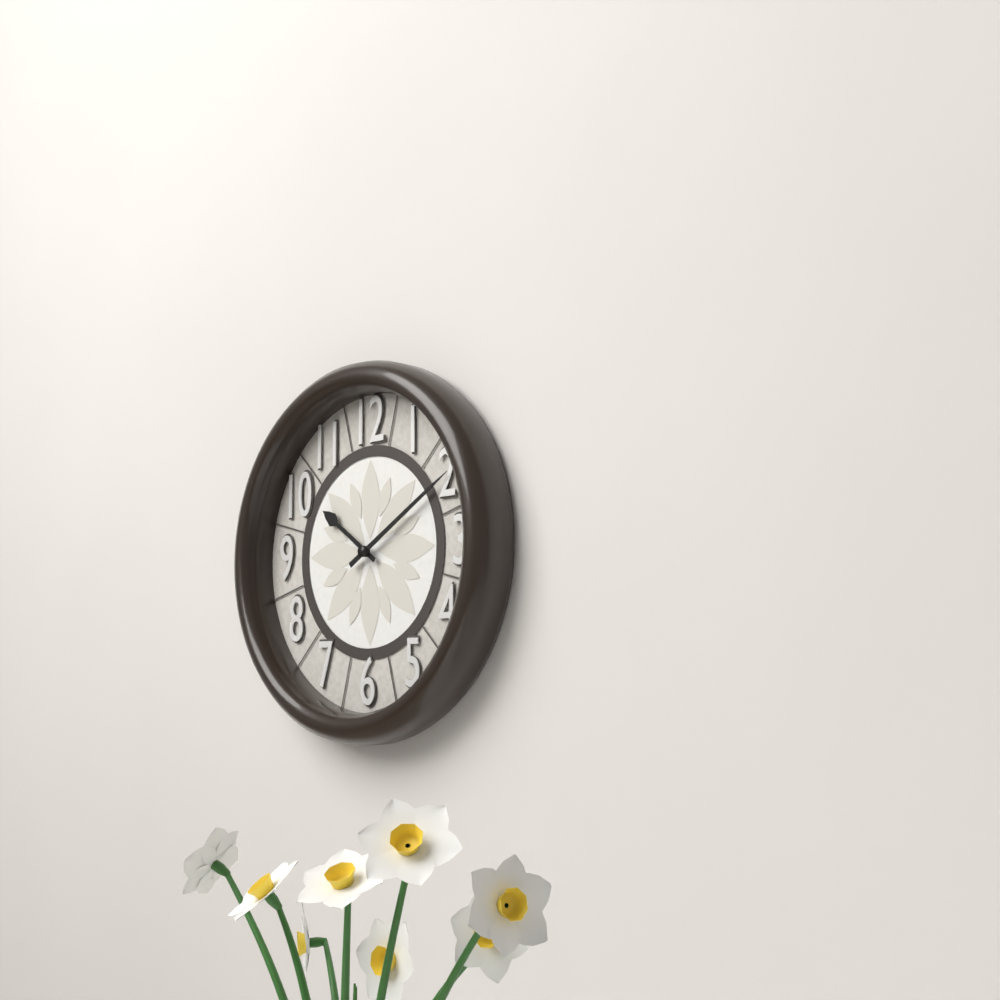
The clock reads 10h10
